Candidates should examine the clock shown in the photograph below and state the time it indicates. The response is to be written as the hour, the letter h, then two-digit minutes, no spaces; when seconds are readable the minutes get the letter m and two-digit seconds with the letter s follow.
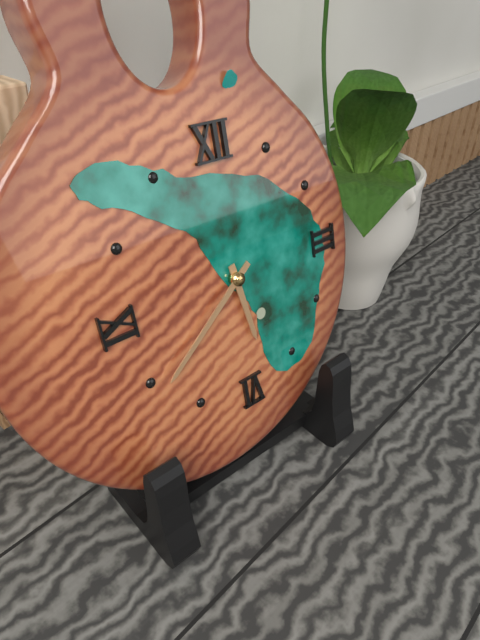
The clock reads 5h39
